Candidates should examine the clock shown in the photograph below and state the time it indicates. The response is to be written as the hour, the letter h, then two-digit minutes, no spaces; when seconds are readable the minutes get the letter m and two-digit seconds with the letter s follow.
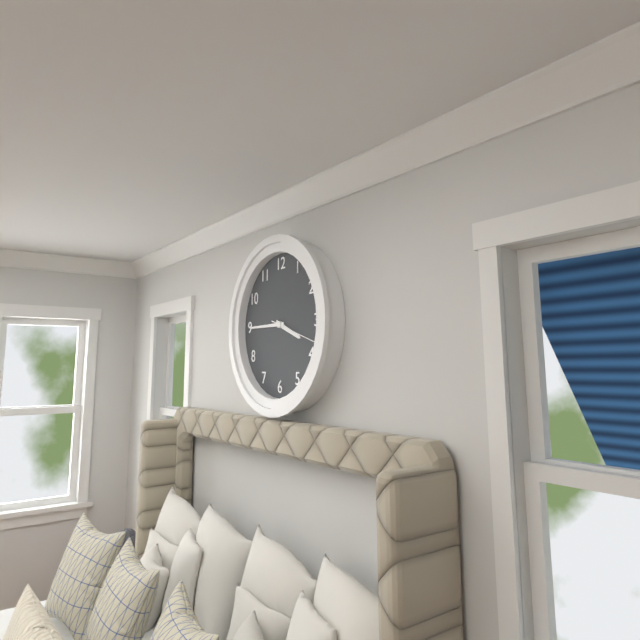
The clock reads 3h45m18s
